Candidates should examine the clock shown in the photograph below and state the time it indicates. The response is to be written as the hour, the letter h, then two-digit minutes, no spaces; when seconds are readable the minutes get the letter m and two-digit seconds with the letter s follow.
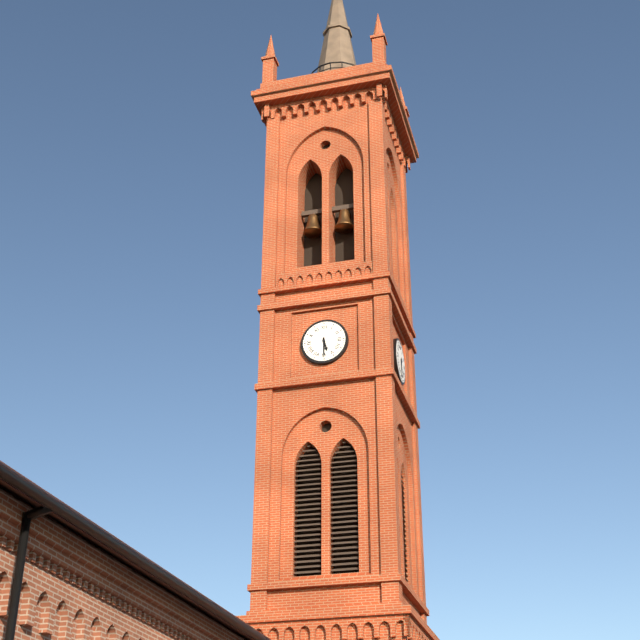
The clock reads 5h30
